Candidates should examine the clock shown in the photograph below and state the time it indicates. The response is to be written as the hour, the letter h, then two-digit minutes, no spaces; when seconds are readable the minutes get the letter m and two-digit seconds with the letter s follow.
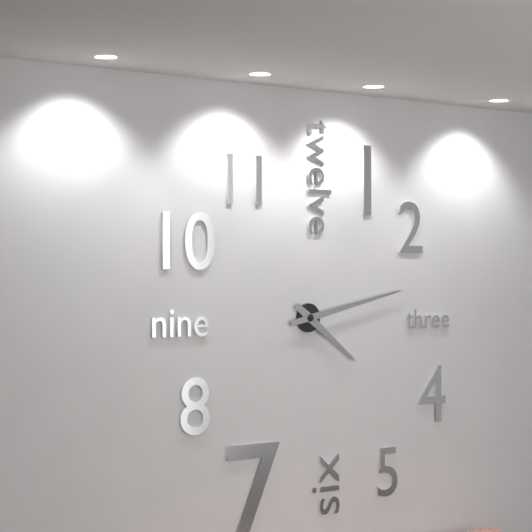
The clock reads 4h13
